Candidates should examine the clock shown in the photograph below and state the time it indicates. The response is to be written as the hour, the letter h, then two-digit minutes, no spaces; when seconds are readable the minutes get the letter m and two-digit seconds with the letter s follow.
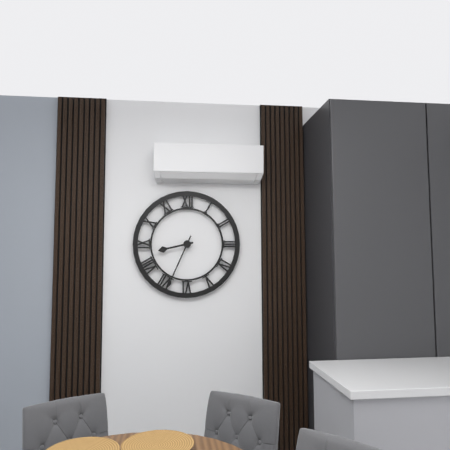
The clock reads 8h34
